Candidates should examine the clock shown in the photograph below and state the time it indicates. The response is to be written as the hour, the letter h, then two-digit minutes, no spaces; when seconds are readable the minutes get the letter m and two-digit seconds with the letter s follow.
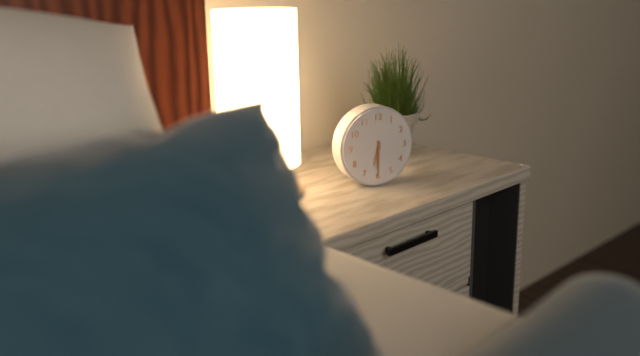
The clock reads 6h30
